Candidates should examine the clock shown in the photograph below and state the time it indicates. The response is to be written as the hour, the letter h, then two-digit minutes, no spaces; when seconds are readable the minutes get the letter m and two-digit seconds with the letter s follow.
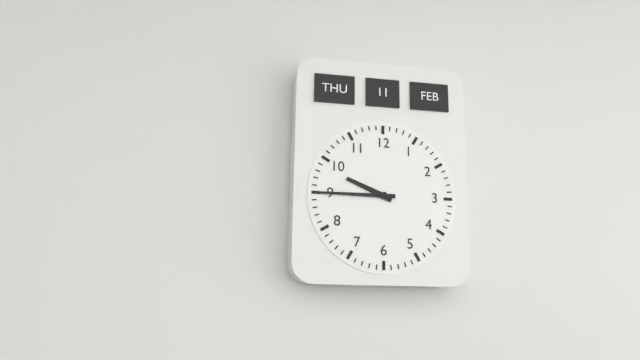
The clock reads 9h45
